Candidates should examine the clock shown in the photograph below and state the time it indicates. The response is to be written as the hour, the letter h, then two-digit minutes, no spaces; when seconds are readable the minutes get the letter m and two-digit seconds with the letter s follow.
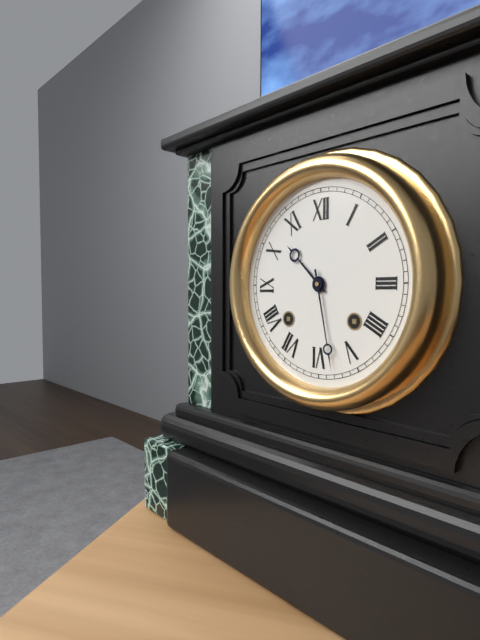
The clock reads 10h28
